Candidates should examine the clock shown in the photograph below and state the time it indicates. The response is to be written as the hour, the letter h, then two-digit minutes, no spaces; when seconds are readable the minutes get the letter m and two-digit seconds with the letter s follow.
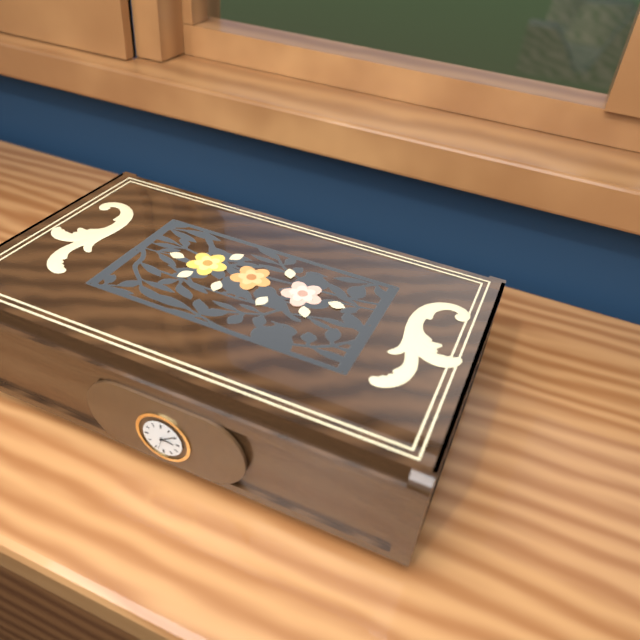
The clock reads 3h09m33s
